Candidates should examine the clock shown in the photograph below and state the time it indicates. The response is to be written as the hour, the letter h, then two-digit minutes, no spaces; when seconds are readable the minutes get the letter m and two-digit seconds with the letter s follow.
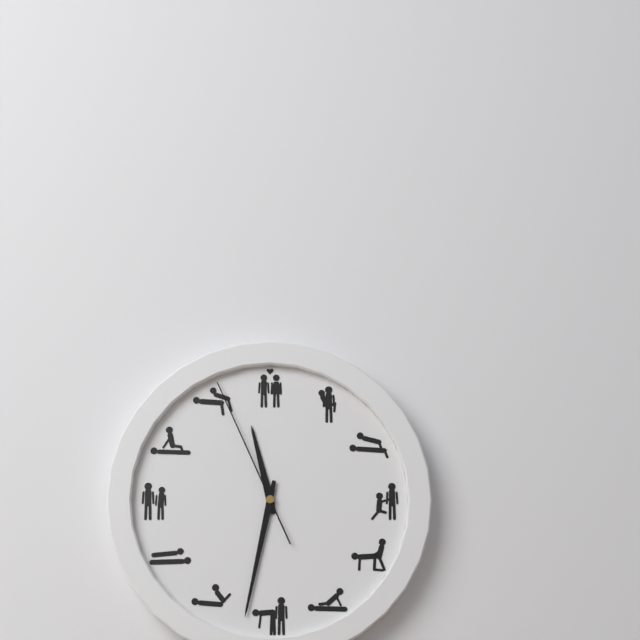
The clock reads 11h32m56s
